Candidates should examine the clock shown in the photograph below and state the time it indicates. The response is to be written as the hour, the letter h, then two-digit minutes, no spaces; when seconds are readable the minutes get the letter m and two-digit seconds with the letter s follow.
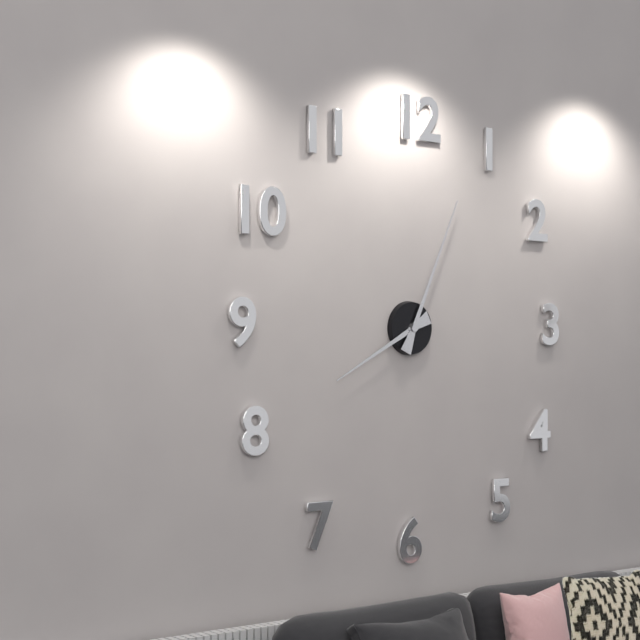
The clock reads 8h04
